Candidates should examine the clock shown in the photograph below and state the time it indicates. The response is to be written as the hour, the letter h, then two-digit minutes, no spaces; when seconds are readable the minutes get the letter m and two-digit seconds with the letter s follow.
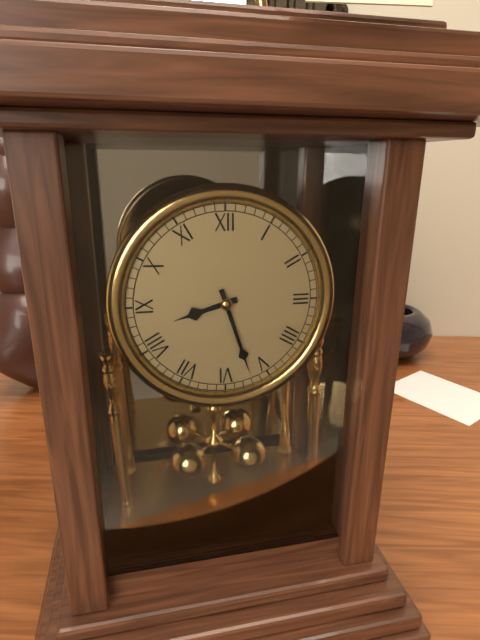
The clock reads 8h27
